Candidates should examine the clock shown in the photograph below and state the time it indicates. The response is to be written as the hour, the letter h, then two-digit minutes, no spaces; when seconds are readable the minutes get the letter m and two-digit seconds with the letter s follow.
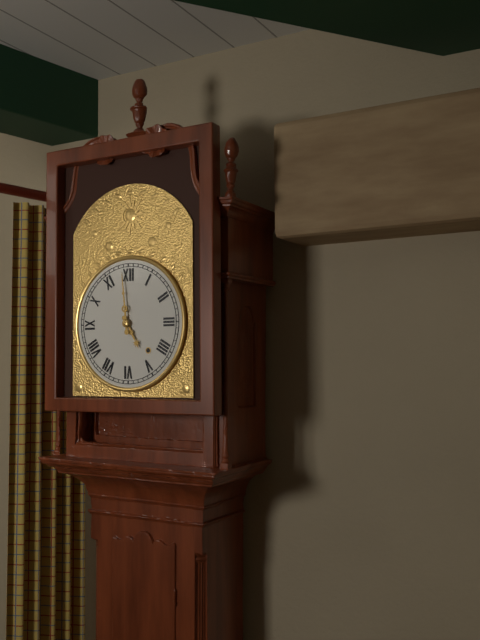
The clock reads 4h59
